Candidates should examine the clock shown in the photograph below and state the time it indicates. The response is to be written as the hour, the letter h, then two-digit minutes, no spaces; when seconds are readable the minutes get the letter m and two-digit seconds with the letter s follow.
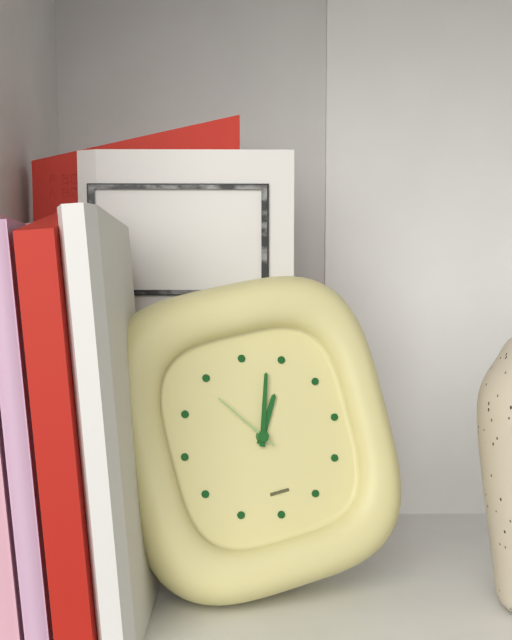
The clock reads 1h03m54s
